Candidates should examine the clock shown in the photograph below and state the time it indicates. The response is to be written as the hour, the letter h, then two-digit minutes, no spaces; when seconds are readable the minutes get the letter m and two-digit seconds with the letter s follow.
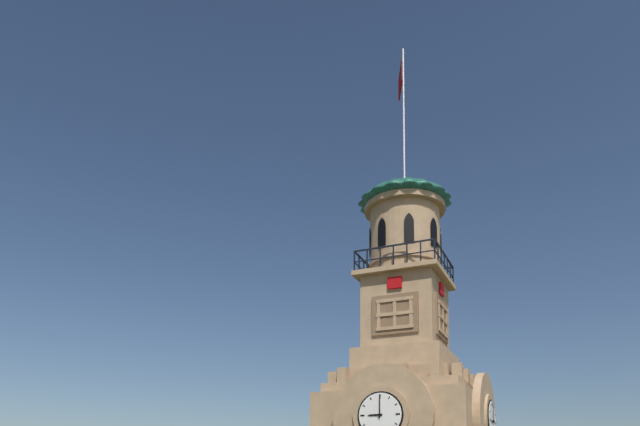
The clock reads 9h00
